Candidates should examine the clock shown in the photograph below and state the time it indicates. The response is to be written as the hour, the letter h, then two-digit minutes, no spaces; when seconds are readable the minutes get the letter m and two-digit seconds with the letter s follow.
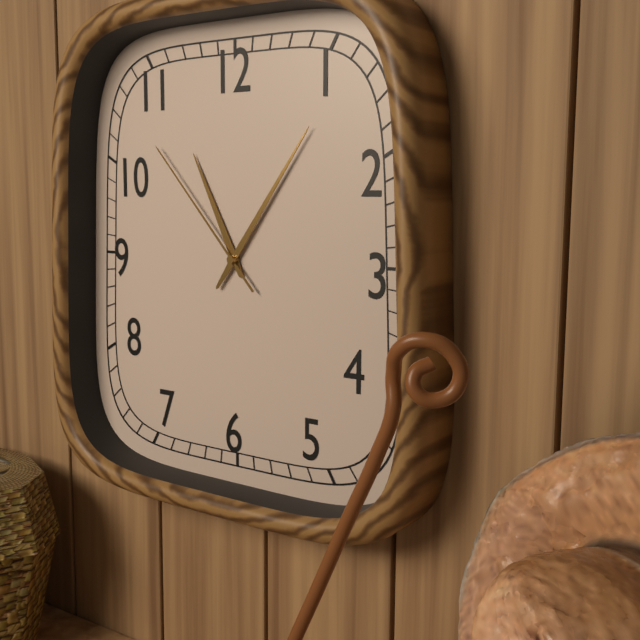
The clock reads 11h06m53s
